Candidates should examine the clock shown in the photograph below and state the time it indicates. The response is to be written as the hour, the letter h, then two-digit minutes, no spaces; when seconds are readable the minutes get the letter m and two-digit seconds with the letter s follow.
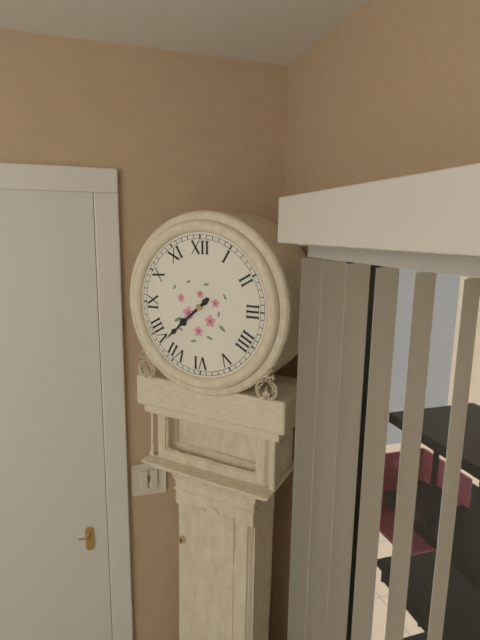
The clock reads 7h38
